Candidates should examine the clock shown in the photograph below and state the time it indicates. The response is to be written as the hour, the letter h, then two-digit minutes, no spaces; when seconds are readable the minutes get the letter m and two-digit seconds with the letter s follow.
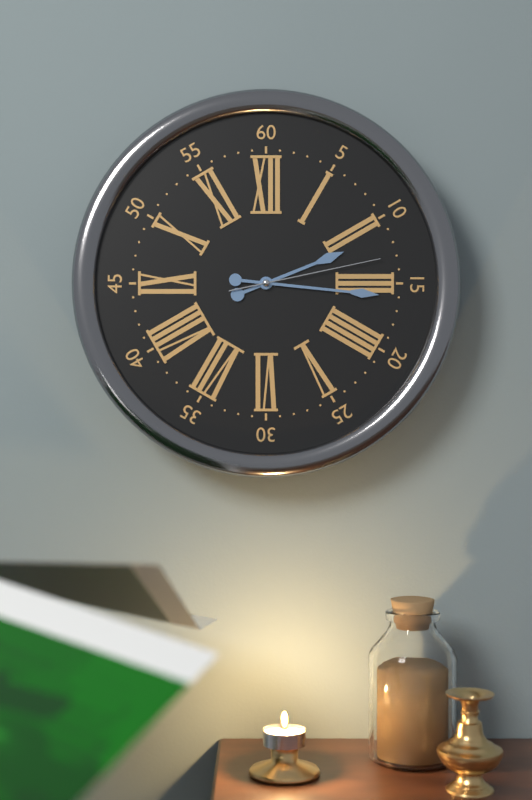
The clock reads 2h16m13s
